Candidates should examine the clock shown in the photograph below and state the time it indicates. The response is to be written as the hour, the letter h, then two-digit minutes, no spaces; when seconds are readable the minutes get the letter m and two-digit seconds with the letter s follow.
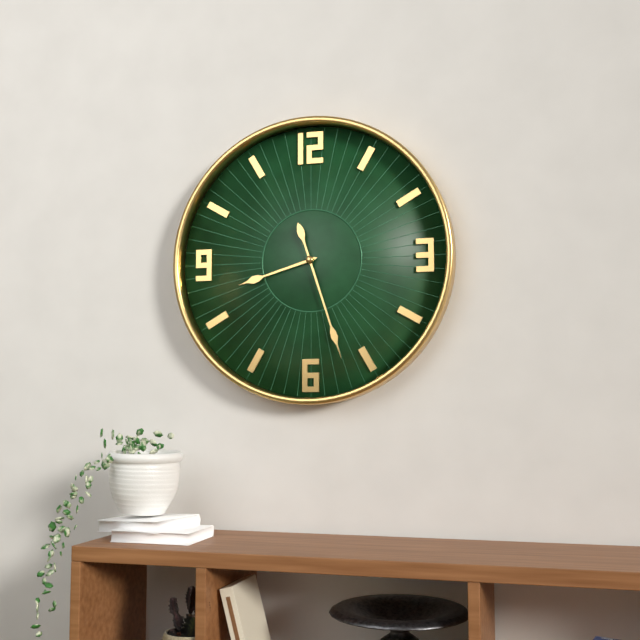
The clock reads 8h27
